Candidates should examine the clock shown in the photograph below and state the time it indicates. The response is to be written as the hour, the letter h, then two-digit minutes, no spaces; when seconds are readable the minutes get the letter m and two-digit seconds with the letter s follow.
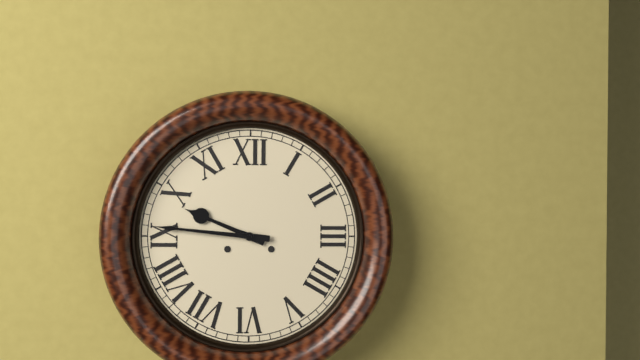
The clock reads 9h46
